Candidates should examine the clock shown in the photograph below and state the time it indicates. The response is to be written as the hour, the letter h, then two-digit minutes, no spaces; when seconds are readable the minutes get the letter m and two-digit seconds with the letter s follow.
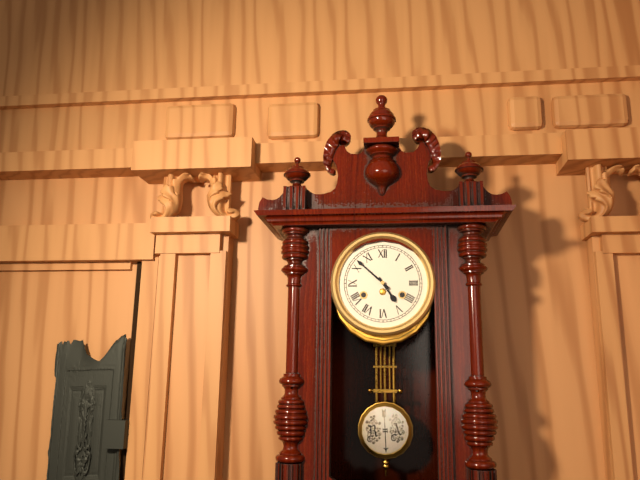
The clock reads 4h52
